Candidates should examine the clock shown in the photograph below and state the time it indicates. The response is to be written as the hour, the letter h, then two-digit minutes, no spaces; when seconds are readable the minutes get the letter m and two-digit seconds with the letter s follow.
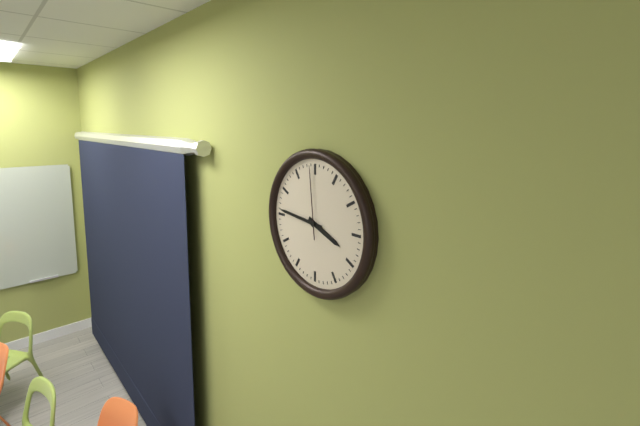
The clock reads 3h46m59s
